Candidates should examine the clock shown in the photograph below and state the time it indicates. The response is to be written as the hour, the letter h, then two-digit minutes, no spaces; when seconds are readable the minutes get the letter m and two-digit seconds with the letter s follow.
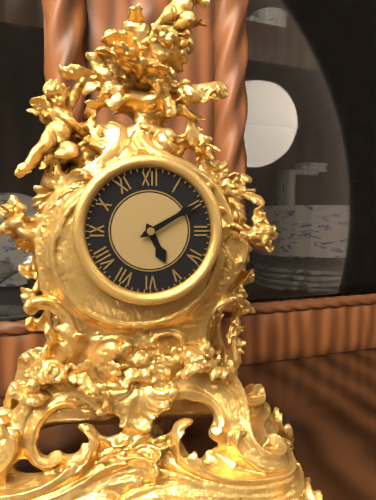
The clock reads 5h10
